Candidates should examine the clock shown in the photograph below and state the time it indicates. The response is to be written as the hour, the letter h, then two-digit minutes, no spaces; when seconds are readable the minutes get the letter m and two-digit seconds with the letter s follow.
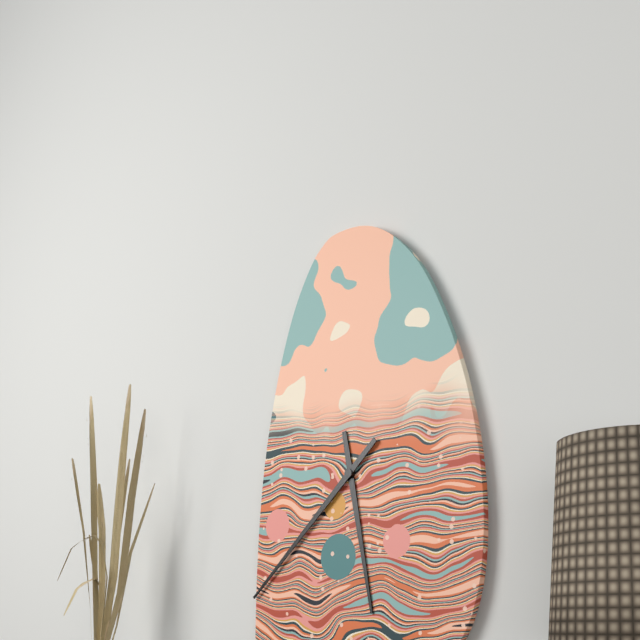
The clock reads 5h38
